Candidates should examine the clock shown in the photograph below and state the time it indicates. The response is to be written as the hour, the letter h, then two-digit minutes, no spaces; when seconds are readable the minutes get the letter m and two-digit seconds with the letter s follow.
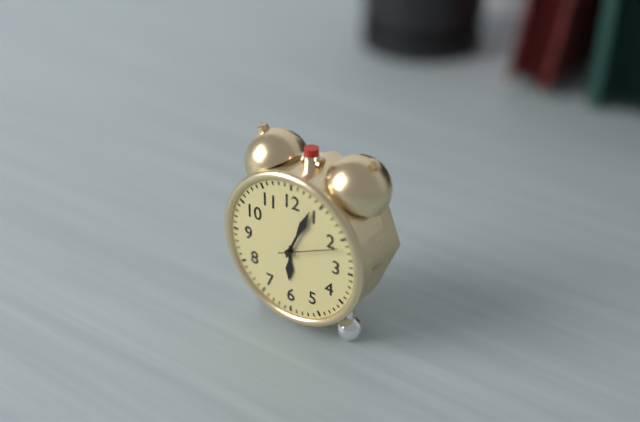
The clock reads 6h04m11s
